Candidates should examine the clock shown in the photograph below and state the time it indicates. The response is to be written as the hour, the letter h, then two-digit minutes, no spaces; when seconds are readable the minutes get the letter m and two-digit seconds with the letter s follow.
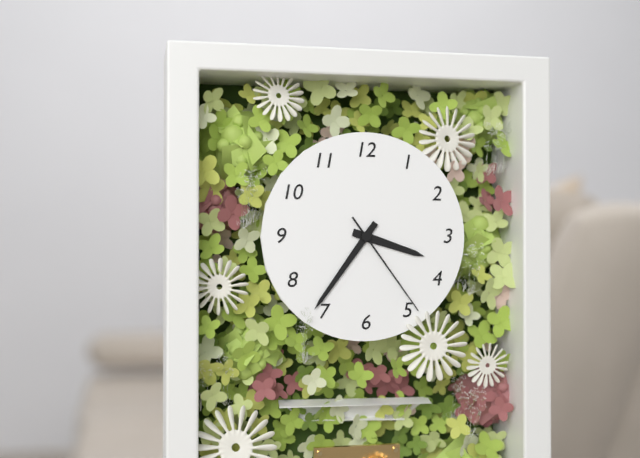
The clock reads 3h36m24s
